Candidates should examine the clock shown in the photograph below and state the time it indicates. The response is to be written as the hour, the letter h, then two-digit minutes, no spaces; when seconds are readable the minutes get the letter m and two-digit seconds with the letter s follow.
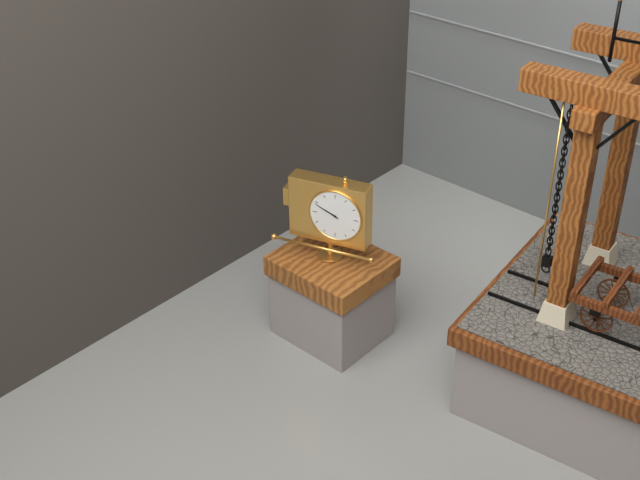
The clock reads 9h49
